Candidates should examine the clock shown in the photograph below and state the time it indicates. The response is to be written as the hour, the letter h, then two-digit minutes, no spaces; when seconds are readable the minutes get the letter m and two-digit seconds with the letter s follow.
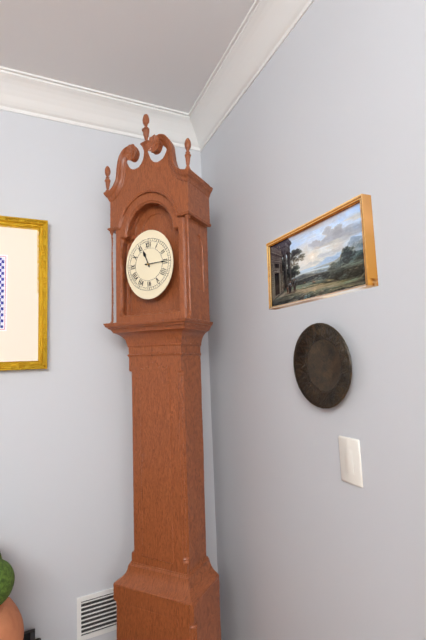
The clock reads 11h15
